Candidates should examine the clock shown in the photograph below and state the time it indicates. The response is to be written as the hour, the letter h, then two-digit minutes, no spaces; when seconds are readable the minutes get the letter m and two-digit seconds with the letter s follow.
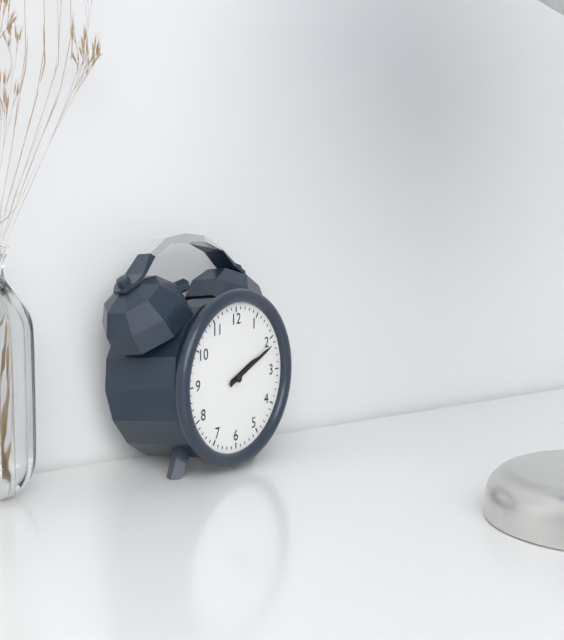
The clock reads 2h11
